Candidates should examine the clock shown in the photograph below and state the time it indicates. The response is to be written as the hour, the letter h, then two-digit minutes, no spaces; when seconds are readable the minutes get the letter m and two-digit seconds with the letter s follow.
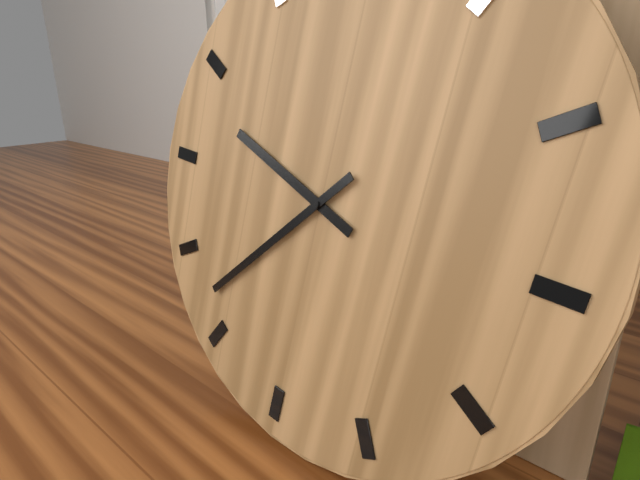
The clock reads 9h37
